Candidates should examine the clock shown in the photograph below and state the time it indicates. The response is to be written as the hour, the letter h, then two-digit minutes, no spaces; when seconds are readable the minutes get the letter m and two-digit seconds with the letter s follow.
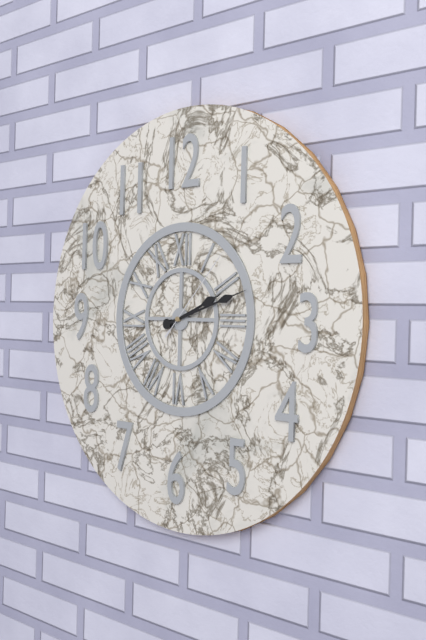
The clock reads 2h12m07s
